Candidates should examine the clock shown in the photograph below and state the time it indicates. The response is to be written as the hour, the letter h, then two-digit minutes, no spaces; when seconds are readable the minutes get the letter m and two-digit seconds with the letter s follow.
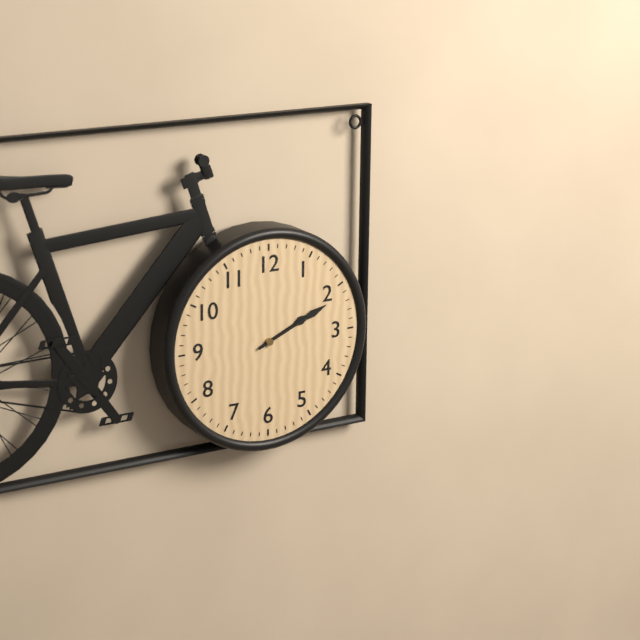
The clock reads 2h11
